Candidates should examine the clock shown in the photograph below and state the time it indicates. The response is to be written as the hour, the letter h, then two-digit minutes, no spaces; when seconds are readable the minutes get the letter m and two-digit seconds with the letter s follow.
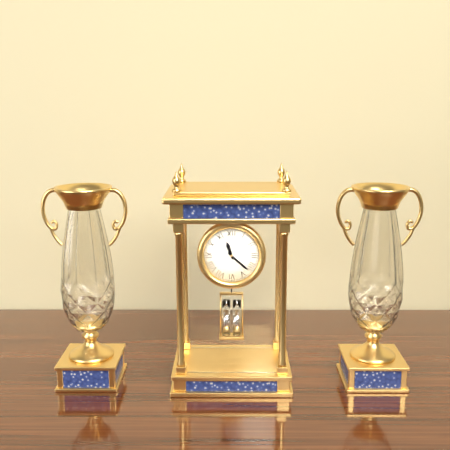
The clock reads 11h22
